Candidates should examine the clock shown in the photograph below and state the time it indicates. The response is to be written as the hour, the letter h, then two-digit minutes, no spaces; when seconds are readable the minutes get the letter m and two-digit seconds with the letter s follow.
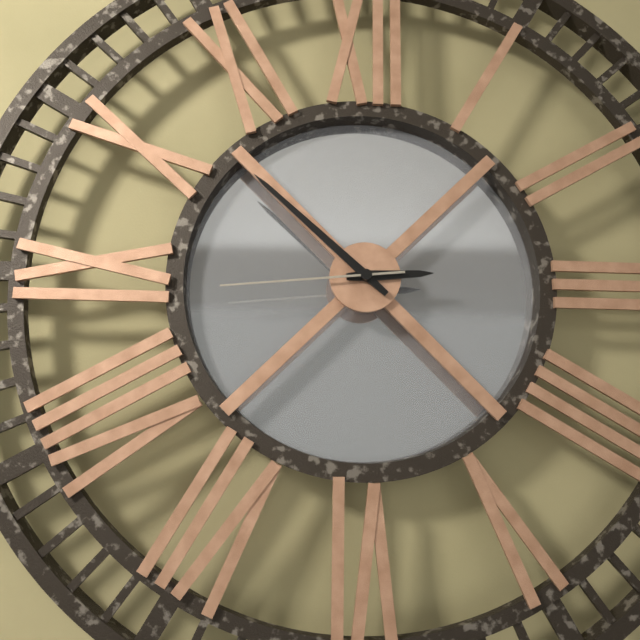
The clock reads 2h52m44s
